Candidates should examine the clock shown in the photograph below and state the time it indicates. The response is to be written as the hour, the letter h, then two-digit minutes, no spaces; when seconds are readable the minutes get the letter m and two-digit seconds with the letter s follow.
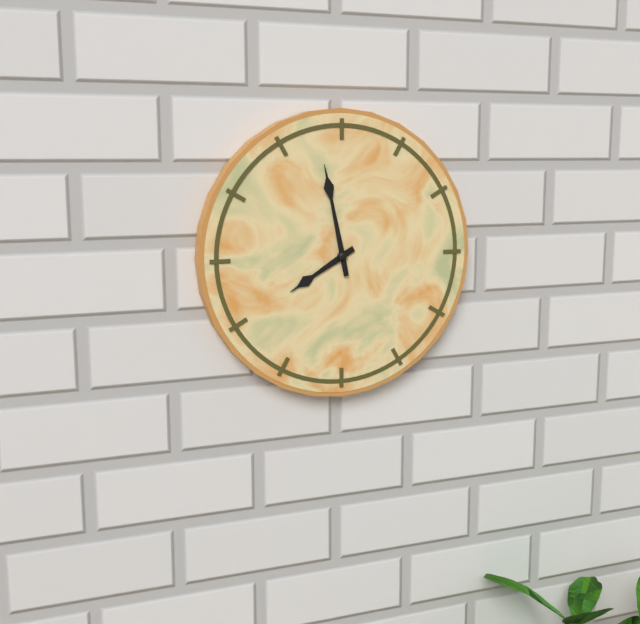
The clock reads 7h58
